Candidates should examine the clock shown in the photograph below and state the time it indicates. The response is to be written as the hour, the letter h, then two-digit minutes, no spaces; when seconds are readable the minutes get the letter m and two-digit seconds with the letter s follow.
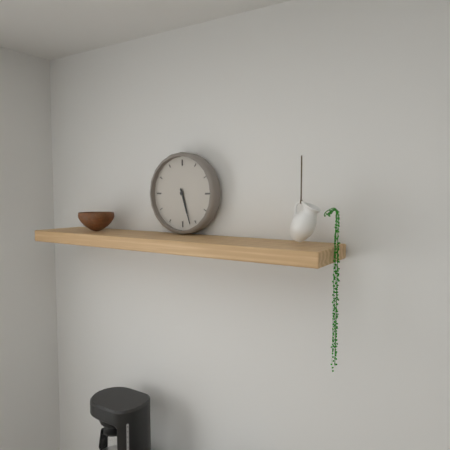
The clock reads 5h27
